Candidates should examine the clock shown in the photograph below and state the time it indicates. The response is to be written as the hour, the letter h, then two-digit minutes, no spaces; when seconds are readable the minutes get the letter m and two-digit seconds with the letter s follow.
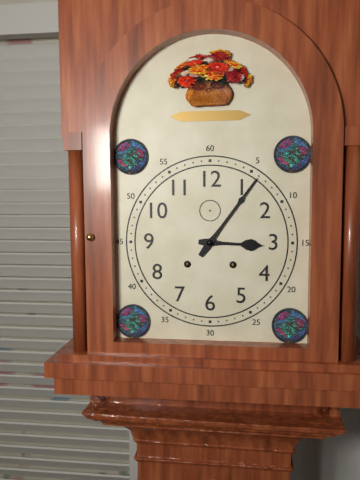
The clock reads 3h06
